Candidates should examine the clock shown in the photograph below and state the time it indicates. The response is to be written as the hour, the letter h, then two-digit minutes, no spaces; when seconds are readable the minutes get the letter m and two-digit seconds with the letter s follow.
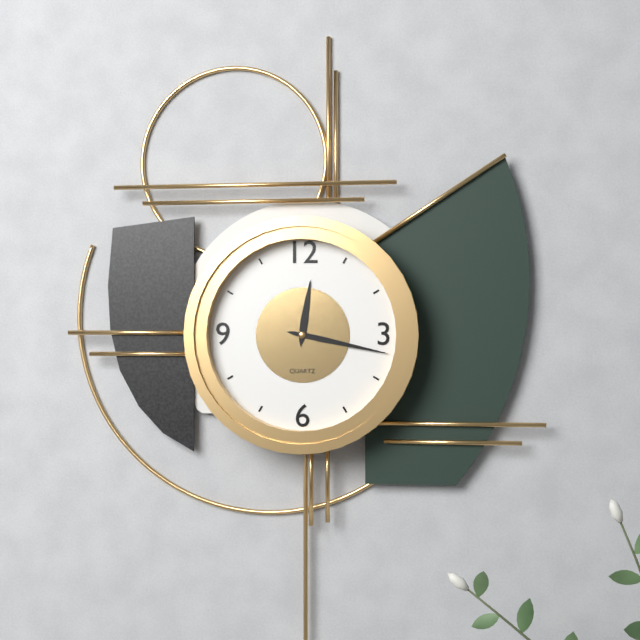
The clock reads 12h17
